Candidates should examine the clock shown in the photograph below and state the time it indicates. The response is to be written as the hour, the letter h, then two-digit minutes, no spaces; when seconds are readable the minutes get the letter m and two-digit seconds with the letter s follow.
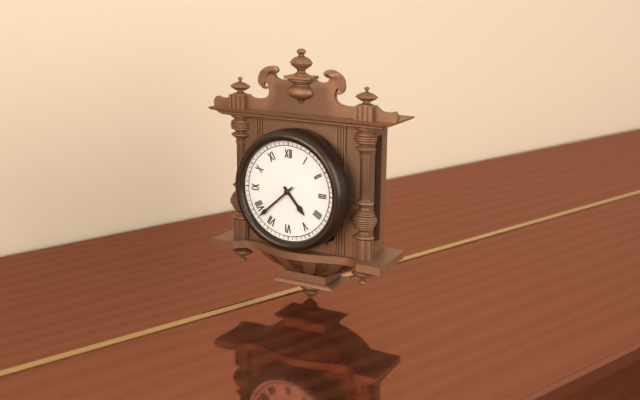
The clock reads 4h38
